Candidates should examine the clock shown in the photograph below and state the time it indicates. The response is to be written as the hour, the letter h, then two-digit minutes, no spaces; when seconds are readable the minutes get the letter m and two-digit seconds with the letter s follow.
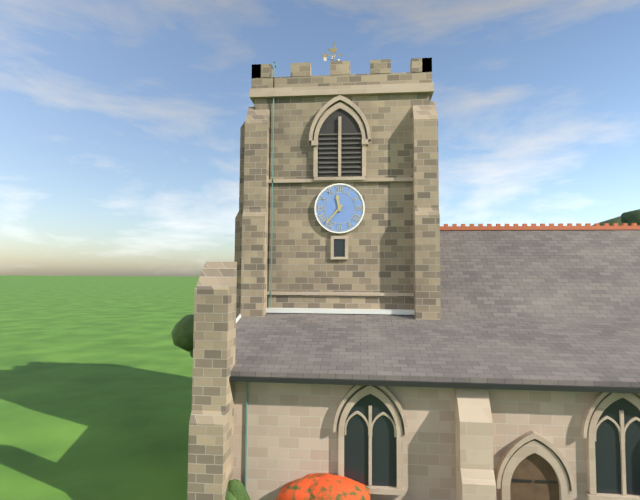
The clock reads 11h37
